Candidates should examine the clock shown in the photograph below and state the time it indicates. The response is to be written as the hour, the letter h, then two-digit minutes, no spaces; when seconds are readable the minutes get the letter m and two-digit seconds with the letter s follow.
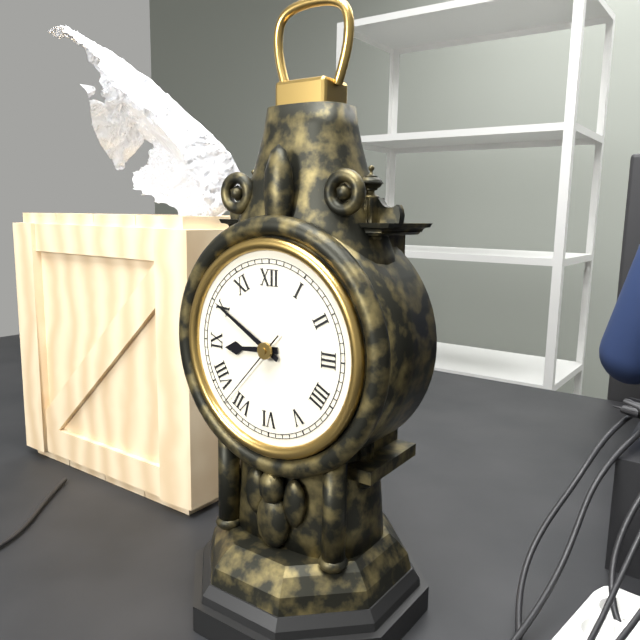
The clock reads 8h50m37s
